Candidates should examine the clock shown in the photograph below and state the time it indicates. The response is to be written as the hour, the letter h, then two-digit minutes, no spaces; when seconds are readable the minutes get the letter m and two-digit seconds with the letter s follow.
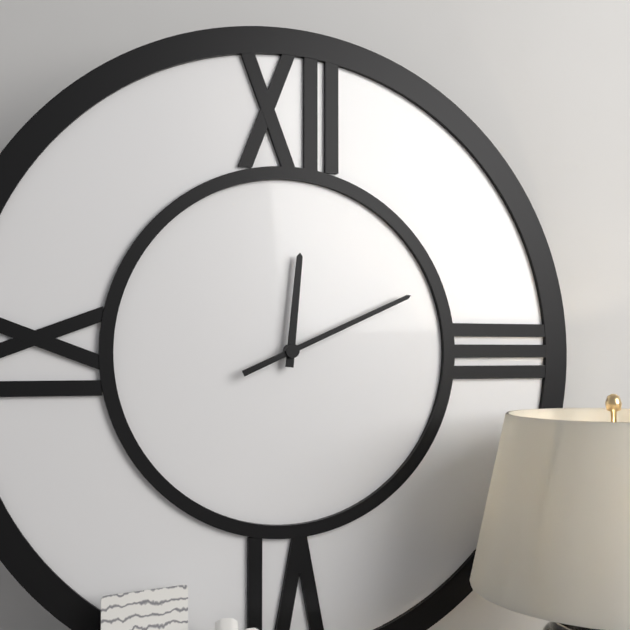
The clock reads 12h11
